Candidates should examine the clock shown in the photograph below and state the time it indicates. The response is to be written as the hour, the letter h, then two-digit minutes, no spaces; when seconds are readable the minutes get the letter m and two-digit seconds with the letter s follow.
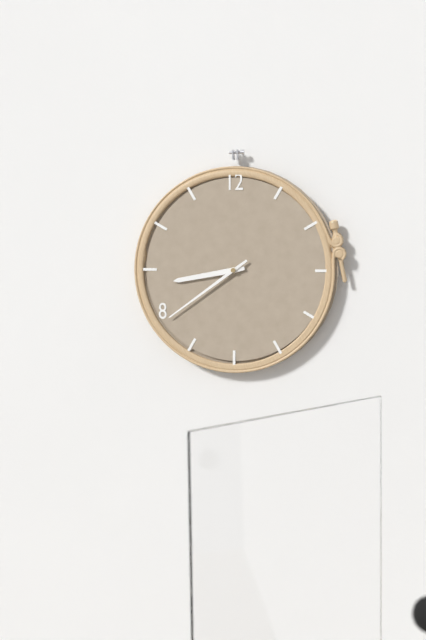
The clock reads 8h39
